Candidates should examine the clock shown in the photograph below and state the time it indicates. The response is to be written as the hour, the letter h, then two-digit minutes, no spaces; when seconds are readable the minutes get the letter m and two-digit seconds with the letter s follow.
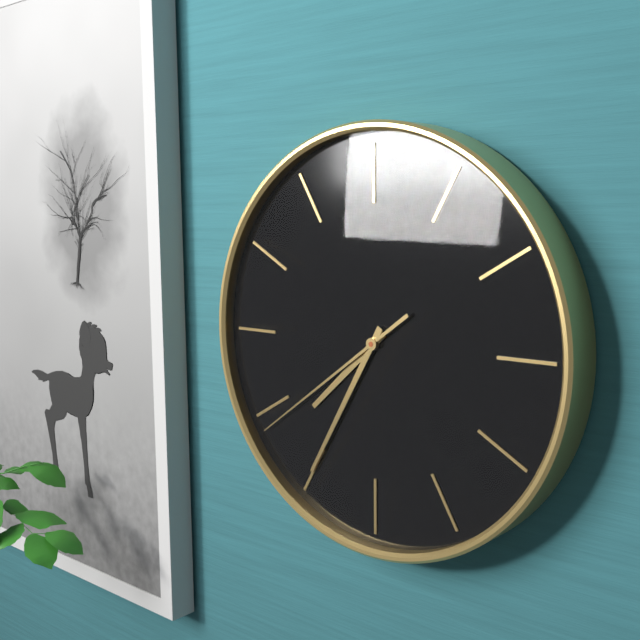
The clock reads 7h35m39s
